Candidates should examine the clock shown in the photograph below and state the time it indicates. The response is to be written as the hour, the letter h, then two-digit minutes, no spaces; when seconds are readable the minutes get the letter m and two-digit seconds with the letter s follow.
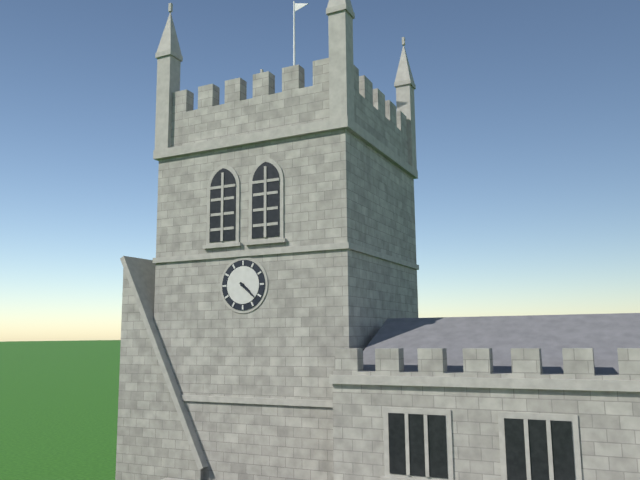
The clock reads 4h22
